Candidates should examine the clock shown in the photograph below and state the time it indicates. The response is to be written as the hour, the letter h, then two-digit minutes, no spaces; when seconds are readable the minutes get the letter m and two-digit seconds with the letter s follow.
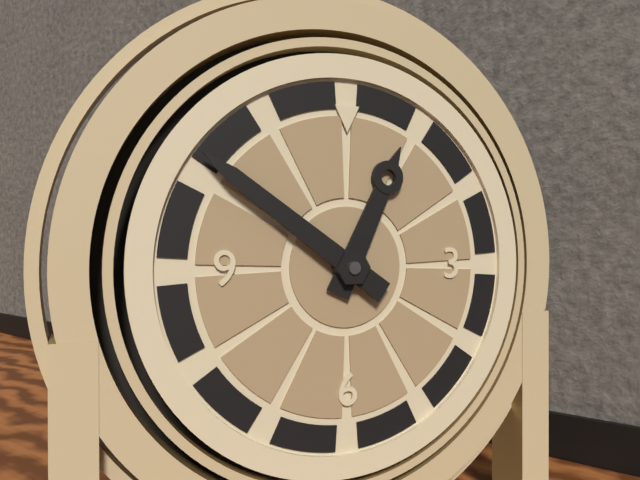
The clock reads 12h51
